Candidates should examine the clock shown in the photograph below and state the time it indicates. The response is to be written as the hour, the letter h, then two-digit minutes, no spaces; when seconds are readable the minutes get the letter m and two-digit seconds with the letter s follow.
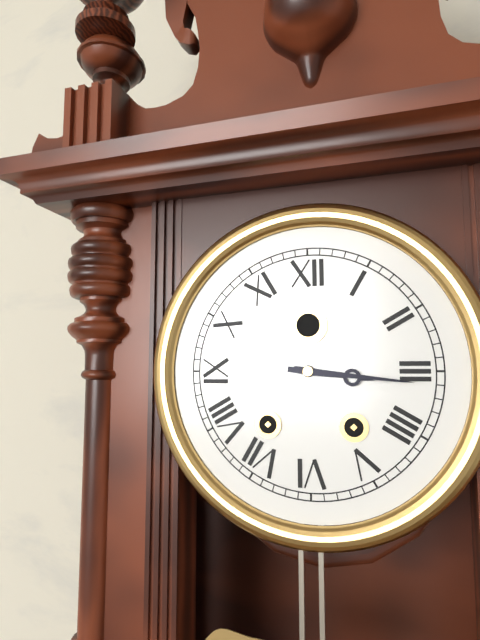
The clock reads 3h16
